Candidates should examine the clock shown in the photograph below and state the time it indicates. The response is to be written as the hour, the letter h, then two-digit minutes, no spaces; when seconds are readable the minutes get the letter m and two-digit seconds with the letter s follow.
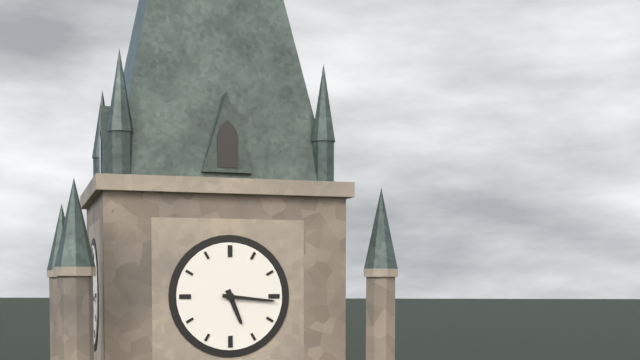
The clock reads 5h16
